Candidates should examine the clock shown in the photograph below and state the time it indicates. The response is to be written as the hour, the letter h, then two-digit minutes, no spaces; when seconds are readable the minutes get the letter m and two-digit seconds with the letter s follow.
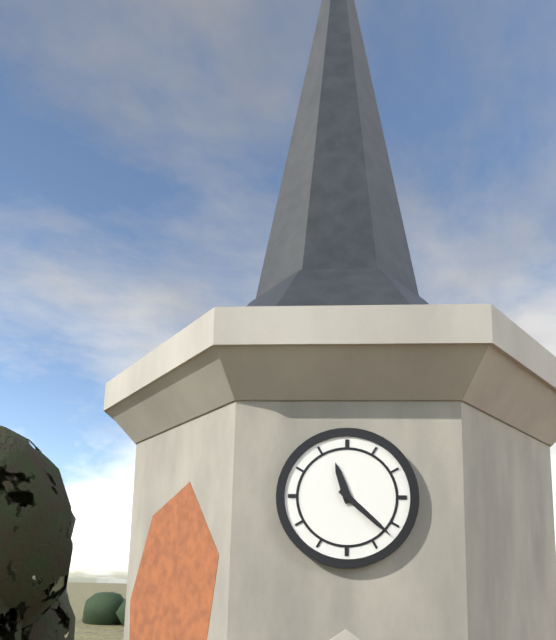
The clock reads 11h22
